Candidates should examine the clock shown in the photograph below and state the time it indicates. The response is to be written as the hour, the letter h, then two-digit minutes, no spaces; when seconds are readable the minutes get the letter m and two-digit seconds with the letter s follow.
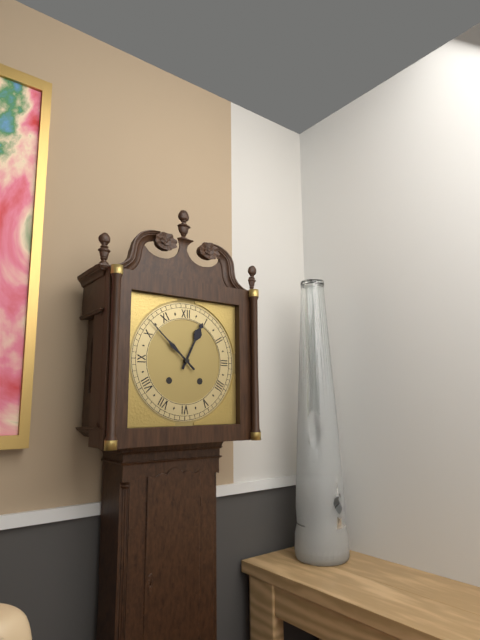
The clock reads 12h52
